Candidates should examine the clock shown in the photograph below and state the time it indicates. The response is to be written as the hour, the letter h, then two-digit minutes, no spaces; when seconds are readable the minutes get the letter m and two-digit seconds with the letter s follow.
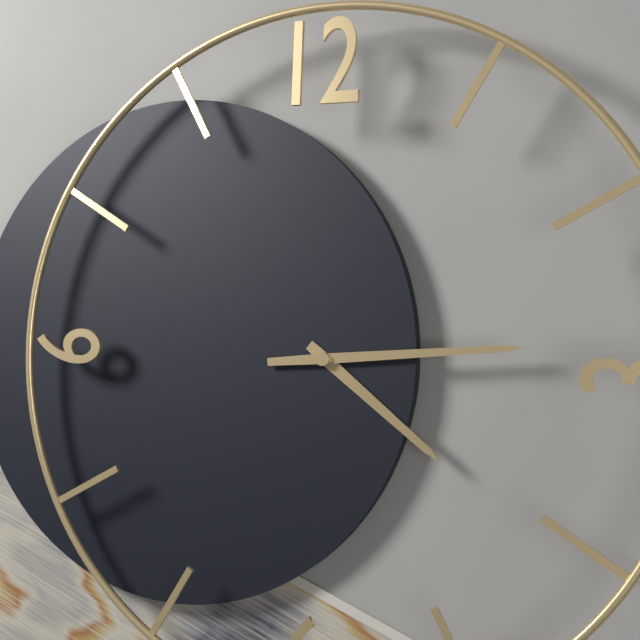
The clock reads 4h14
